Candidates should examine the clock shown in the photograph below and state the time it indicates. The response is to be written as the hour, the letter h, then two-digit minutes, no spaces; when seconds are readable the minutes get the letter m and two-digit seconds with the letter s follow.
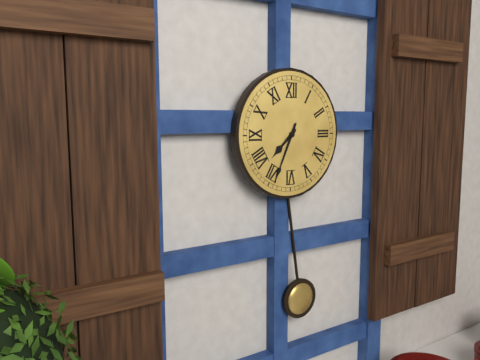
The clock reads 7h34
